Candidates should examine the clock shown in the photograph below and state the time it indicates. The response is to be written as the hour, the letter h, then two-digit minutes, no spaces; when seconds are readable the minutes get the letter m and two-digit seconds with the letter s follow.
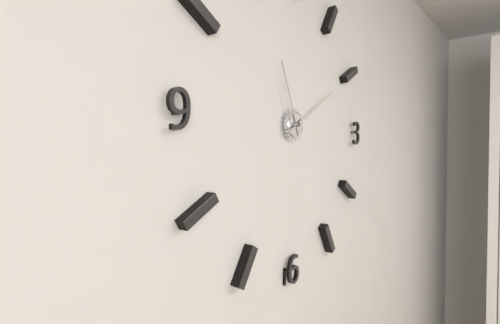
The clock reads 11h10
